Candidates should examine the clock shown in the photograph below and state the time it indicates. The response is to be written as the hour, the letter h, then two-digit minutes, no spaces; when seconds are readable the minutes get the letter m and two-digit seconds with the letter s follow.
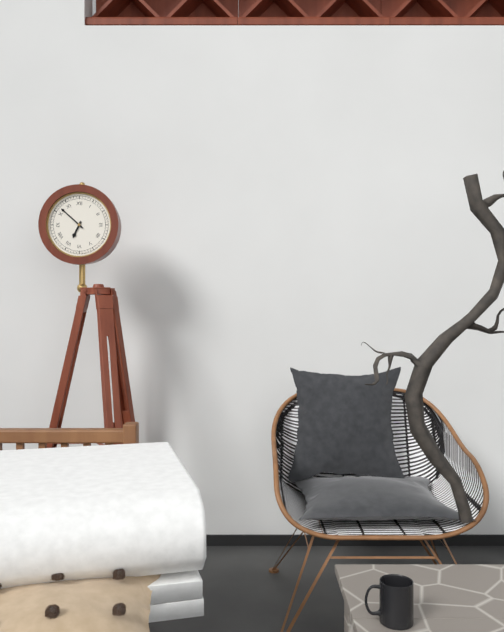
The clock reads 6h52
